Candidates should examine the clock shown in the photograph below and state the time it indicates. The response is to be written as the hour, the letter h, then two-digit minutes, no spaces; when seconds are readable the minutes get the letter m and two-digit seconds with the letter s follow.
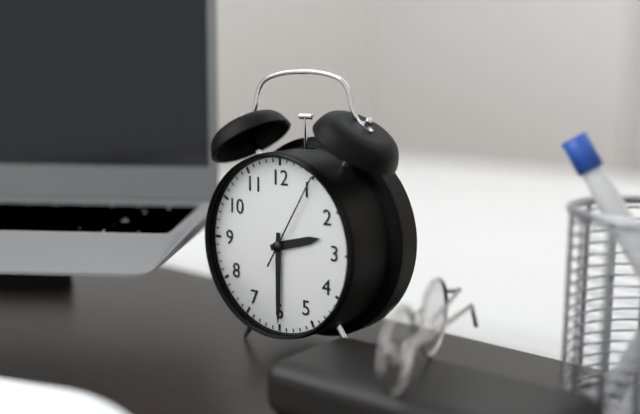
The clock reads 2h30m05s
